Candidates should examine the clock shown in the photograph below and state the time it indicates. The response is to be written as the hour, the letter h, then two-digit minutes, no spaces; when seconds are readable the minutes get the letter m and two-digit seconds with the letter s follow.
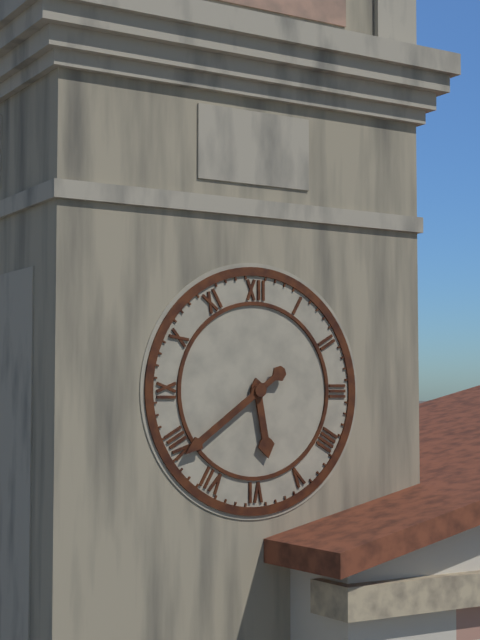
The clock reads 5h39
